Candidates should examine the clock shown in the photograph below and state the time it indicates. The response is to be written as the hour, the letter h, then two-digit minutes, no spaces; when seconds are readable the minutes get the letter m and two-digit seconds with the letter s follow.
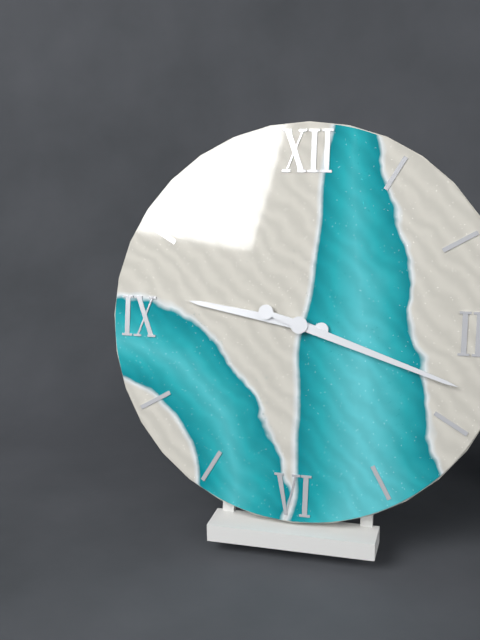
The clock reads 9h18
